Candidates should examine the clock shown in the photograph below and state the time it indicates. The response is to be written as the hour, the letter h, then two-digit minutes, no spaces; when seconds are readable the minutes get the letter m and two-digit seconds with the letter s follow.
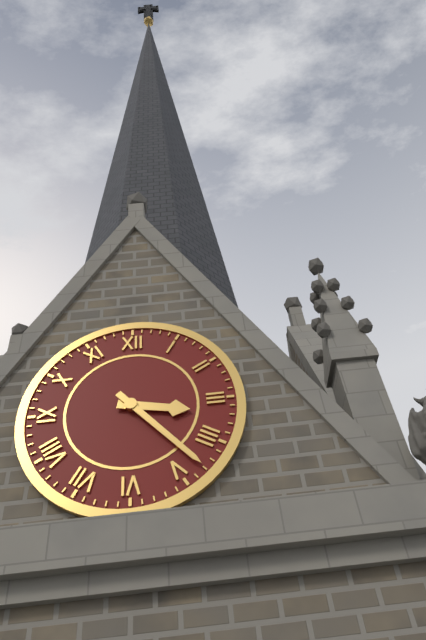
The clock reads 3h23
